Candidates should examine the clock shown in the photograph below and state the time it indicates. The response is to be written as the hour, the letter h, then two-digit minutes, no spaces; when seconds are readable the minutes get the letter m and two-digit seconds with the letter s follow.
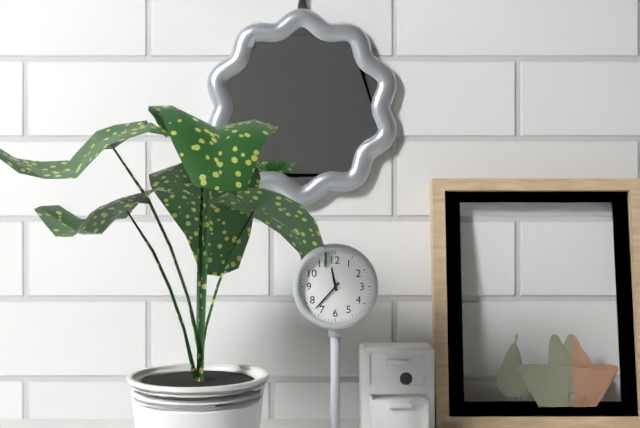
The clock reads 11h37
